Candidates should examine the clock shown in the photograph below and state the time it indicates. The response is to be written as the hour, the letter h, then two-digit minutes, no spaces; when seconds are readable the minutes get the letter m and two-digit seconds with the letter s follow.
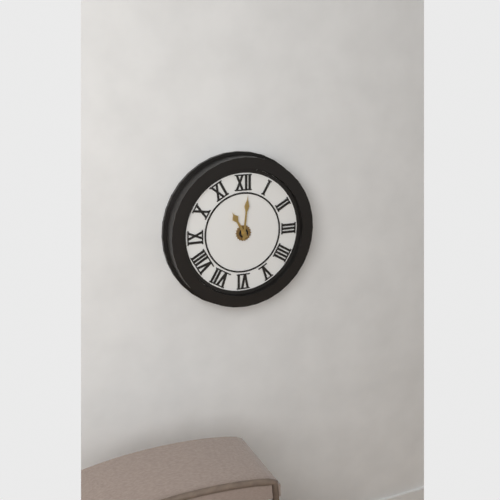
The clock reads 11h01
